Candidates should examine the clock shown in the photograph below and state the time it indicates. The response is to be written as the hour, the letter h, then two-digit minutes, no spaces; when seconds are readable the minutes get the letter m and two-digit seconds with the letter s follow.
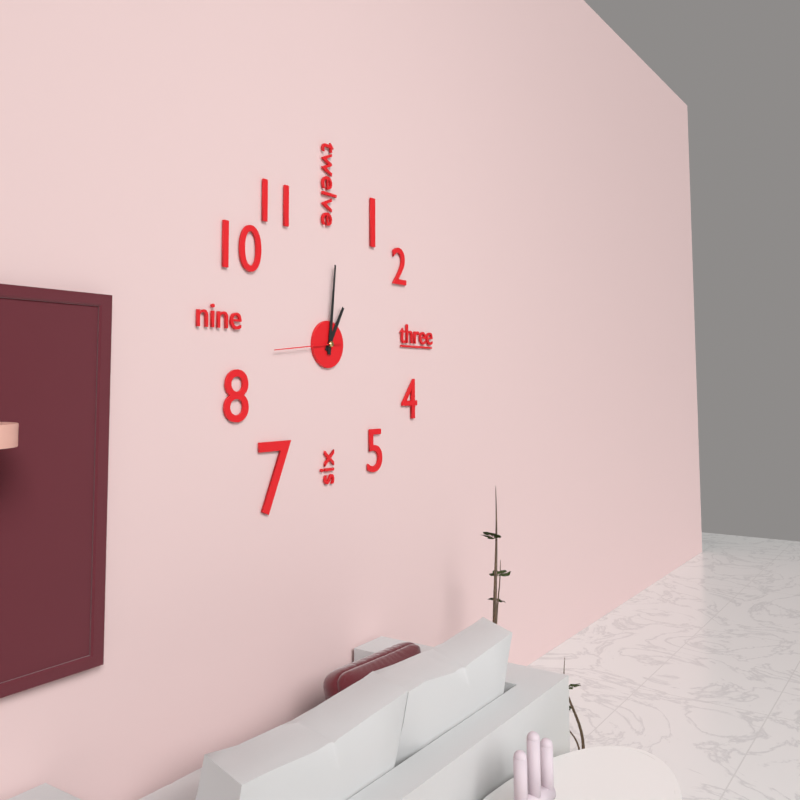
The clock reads 1h01m44s
